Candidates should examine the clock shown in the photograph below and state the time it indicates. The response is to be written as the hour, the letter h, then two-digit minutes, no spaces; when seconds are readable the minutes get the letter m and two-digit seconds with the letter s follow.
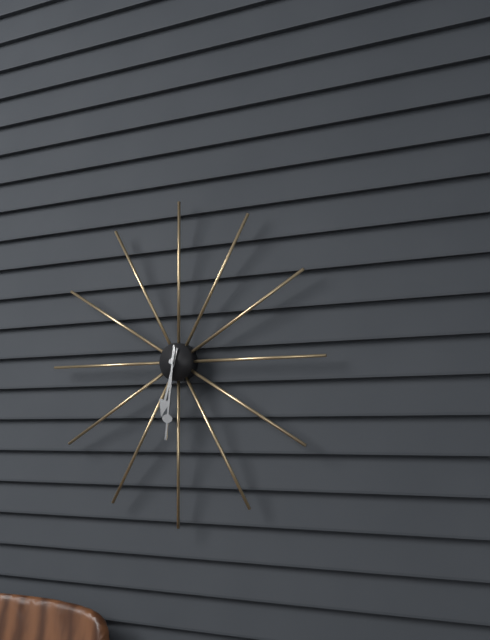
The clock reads 6h31
